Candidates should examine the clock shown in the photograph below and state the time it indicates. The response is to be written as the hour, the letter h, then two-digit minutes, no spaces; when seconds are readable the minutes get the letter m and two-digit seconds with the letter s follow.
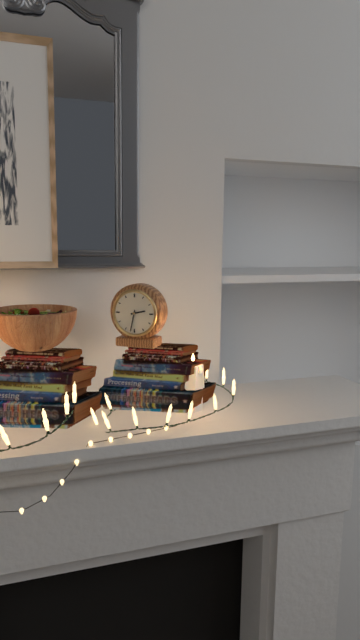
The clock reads 2h32
